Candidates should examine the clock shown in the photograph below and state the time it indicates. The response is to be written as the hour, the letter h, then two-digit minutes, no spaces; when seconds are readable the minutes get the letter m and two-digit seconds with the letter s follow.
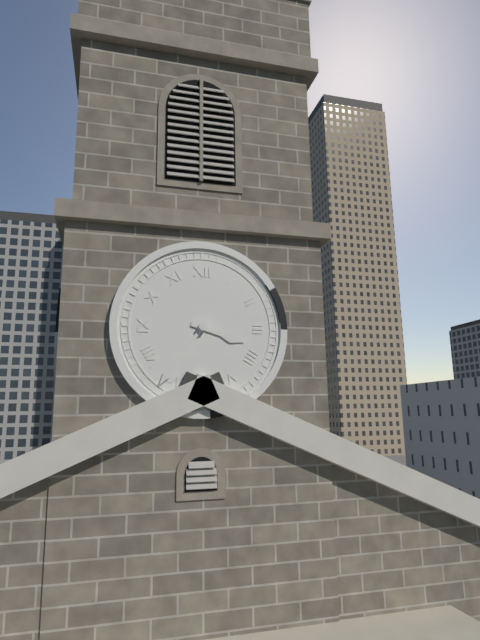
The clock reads 3h36
